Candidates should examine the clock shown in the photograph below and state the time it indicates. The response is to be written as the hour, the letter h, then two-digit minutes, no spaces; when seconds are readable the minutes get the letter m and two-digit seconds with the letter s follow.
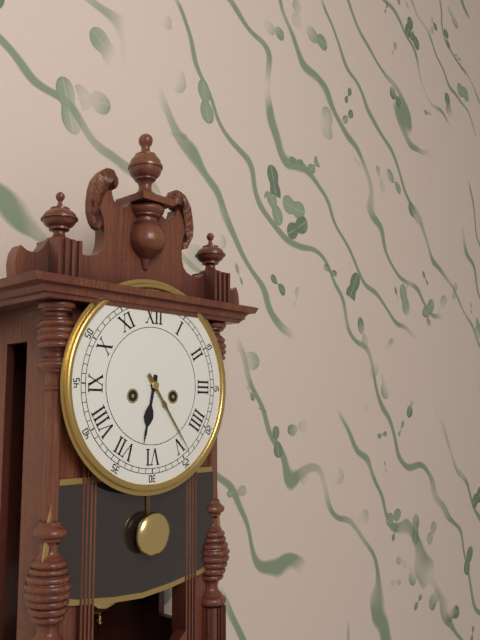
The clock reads 6h24
